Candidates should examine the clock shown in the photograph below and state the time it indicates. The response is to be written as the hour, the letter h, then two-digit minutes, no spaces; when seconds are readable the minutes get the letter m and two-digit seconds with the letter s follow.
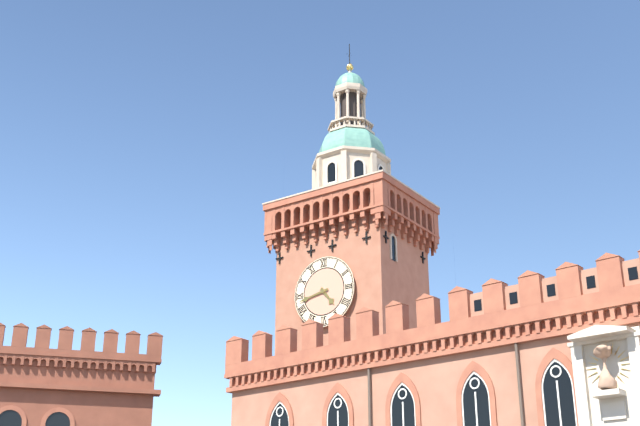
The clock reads 4h43
